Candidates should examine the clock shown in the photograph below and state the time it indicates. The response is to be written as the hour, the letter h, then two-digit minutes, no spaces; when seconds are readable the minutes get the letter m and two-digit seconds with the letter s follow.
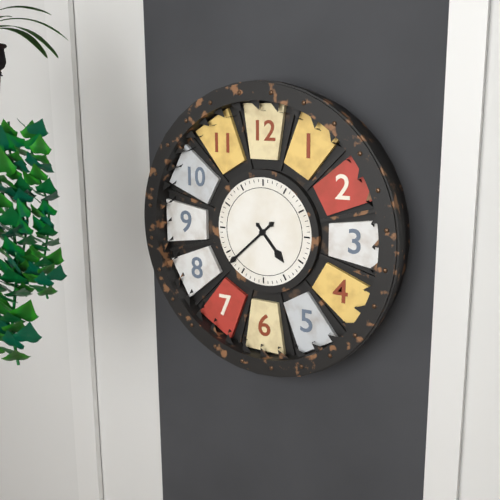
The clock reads 4h38
